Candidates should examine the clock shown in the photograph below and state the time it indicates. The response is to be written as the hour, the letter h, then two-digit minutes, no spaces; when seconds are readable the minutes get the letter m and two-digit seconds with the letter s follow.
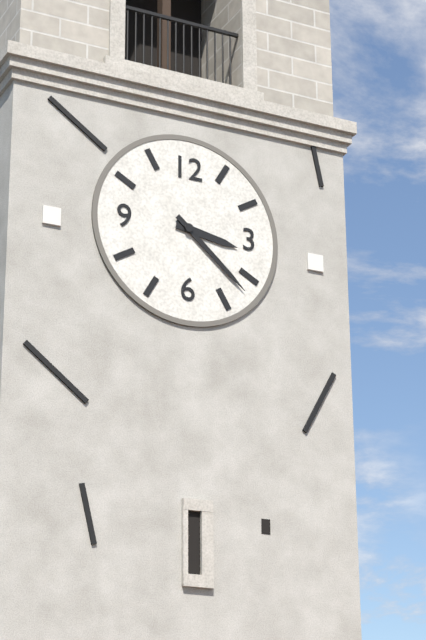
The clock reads 3h22
